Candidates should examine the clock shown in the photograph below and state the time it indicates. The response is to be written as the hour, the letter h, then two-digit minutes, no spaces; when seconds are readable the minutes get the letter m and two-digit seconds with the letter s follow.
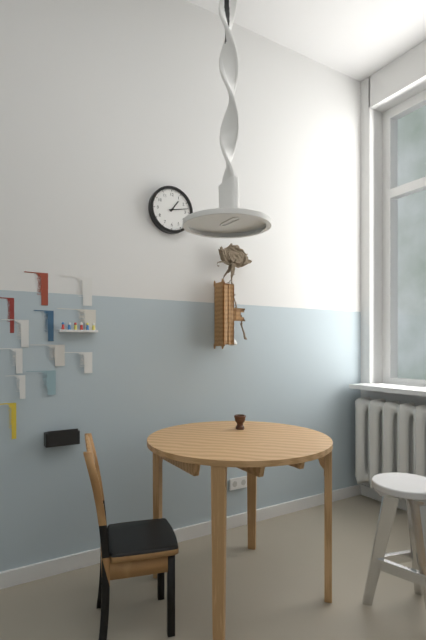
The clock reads 1h13
